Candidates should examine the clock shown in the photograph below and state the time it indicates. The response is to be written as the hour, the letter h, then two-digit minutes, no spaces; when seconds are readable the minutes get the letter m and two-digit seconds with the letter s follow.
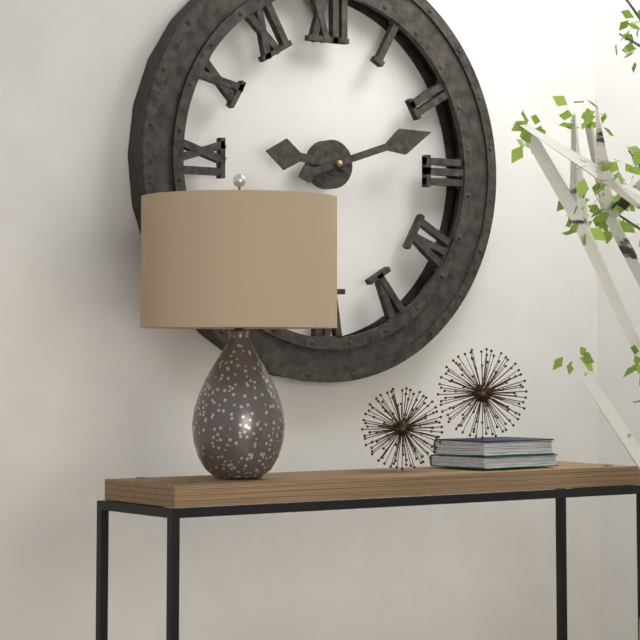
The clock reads 9h12
